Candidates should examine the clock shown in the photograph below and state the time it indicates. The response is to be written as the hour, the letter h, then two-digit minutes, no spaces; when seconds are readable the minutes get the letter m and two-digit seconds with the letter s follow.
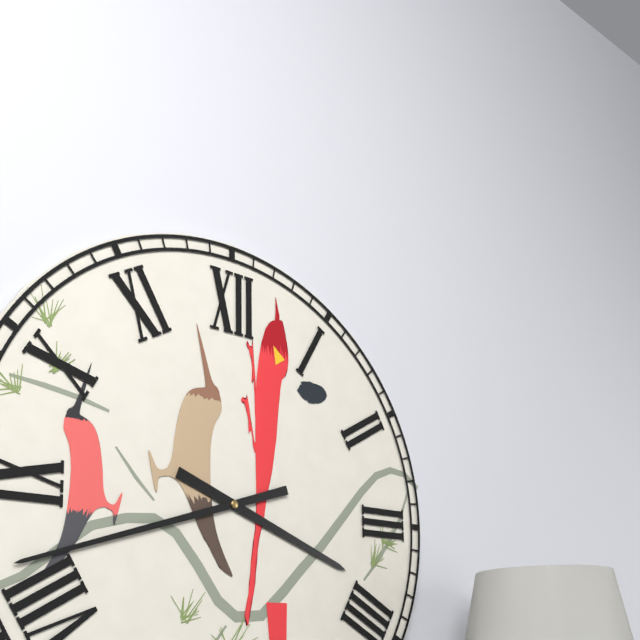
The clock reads 3h42
